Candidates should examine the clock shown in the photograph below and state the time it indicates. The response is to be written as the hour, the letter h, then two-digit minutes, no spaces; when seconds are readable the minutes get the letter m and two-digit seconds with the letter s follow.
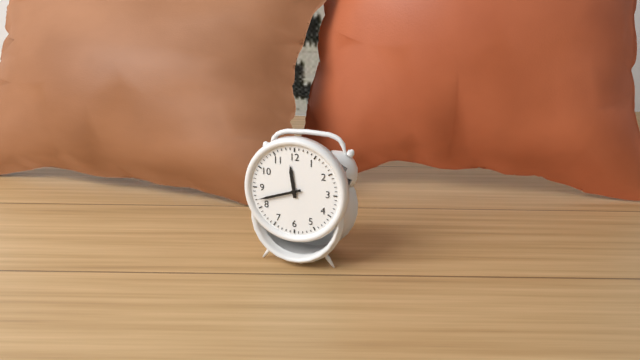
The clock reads 11h42
